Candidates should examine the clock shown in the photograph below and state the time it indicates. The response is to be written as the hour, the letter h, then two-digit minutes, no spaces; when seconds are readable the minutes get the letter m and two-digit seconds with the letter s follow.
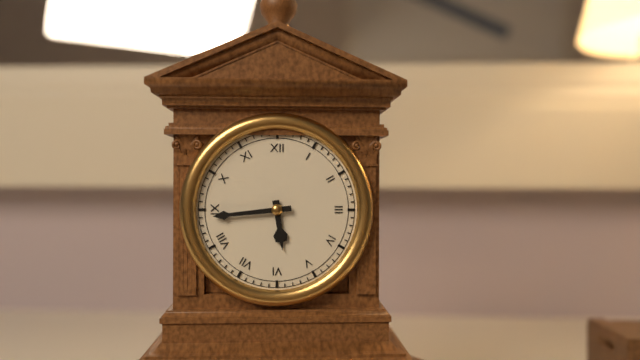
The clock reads 5h44
